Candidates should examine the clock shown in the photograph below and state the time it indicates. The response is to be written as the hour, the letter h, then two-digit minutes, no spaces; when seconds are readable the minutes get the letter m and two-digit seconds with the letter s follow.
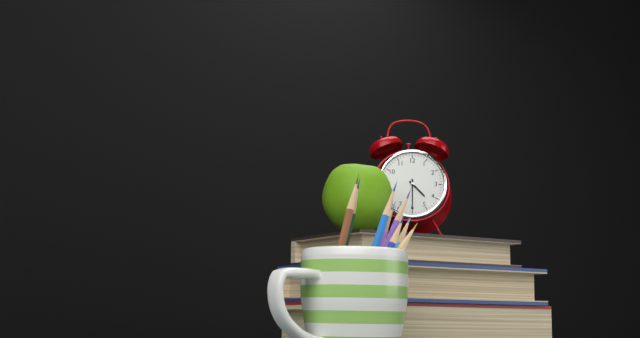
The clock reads 4h30
